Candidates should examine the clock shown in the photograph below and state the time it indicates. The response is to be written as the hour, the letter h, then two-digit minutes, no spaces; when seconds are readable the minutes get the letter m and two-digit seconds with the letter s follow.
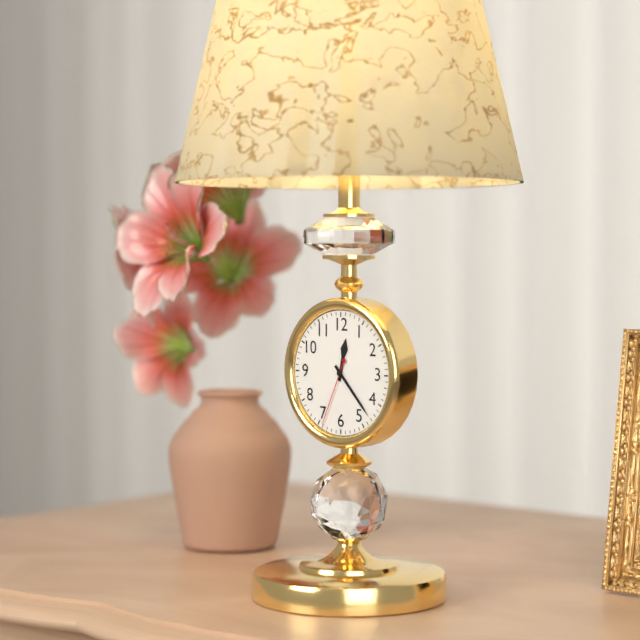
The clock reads 12h23m34s
